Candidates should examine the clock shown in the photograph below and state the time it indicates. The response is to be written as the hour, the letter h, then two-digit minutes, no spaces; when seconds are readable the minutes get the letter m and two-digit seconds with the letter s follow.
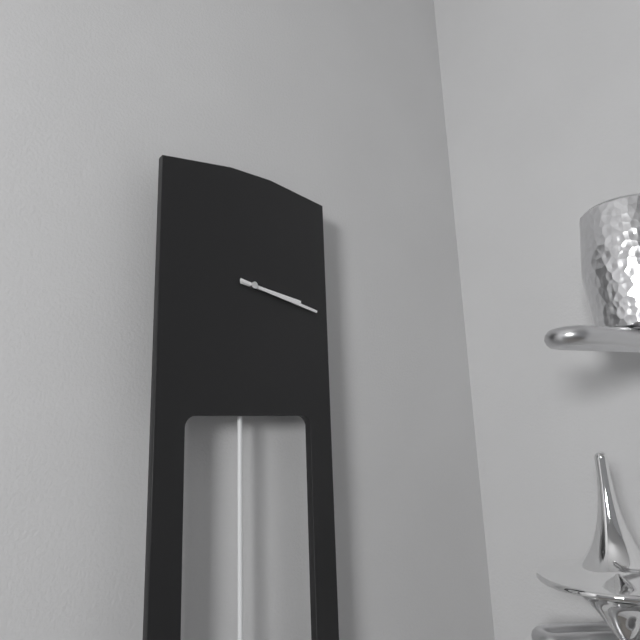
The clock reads 3h17
